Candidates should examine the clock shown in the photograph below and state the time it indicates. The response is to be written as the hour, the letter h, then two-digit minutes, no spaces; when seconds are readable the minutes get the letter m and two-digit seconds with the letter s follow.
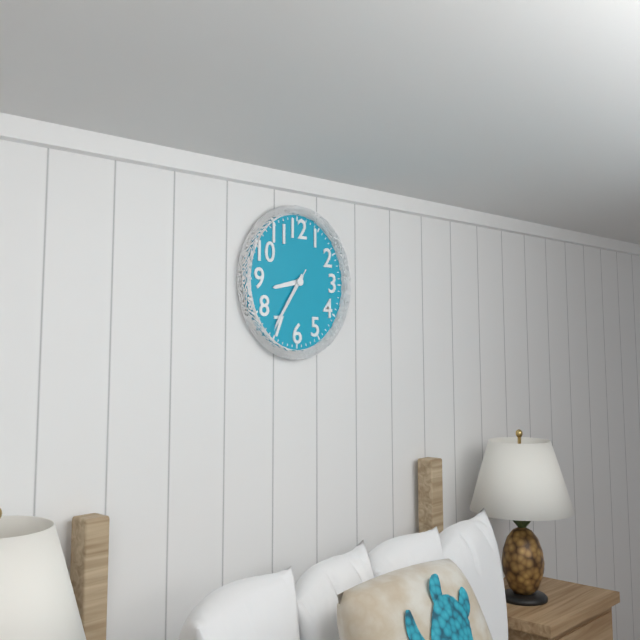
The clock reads 8h36m36s
